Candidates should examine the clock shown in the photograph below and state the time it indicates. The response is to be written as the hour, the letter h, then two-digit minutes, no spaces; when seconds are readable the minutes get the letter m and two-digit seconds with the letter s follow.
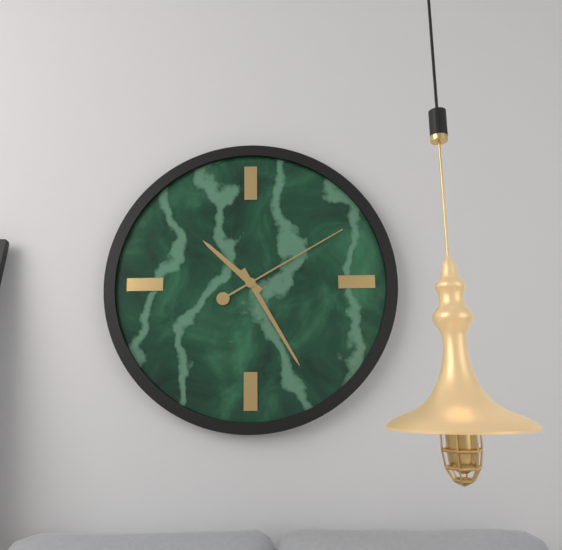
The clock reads 10h25m10s
